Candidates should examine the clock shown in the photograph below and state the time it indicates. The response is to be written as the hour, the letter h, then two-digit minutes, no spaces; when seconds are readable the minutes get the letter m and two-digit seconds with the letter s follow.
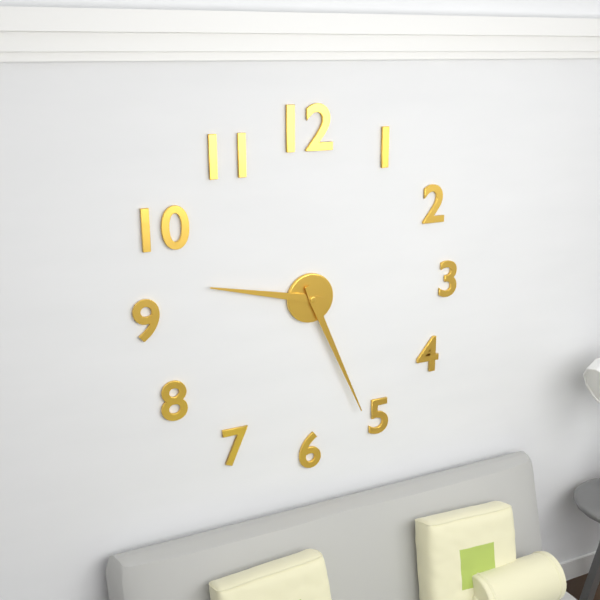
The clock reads 9h26
